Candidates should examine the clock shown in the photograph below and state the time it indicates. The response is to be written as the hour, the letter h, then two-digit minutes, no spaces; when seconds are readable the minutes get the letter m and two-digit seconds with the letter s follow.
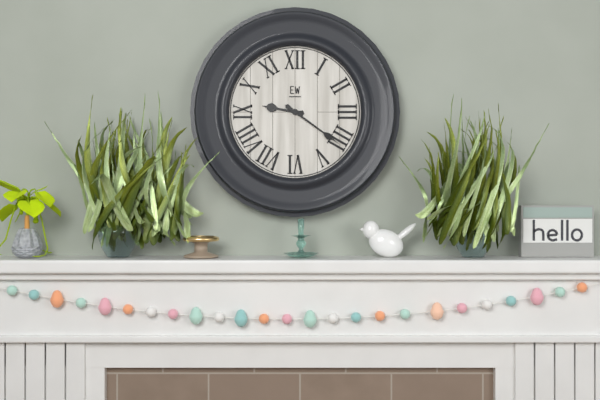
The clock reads 9h21
